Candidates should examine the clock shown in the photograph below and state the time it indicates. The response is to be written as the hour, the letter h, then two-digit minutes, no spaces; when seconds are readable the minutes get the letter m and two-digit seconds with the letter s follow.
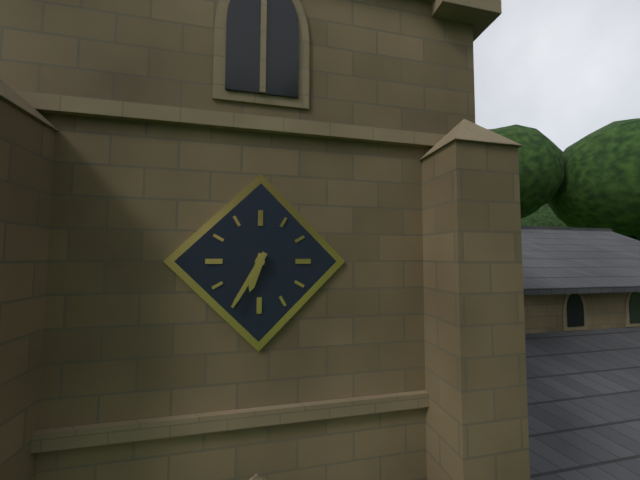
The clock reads 6h35
